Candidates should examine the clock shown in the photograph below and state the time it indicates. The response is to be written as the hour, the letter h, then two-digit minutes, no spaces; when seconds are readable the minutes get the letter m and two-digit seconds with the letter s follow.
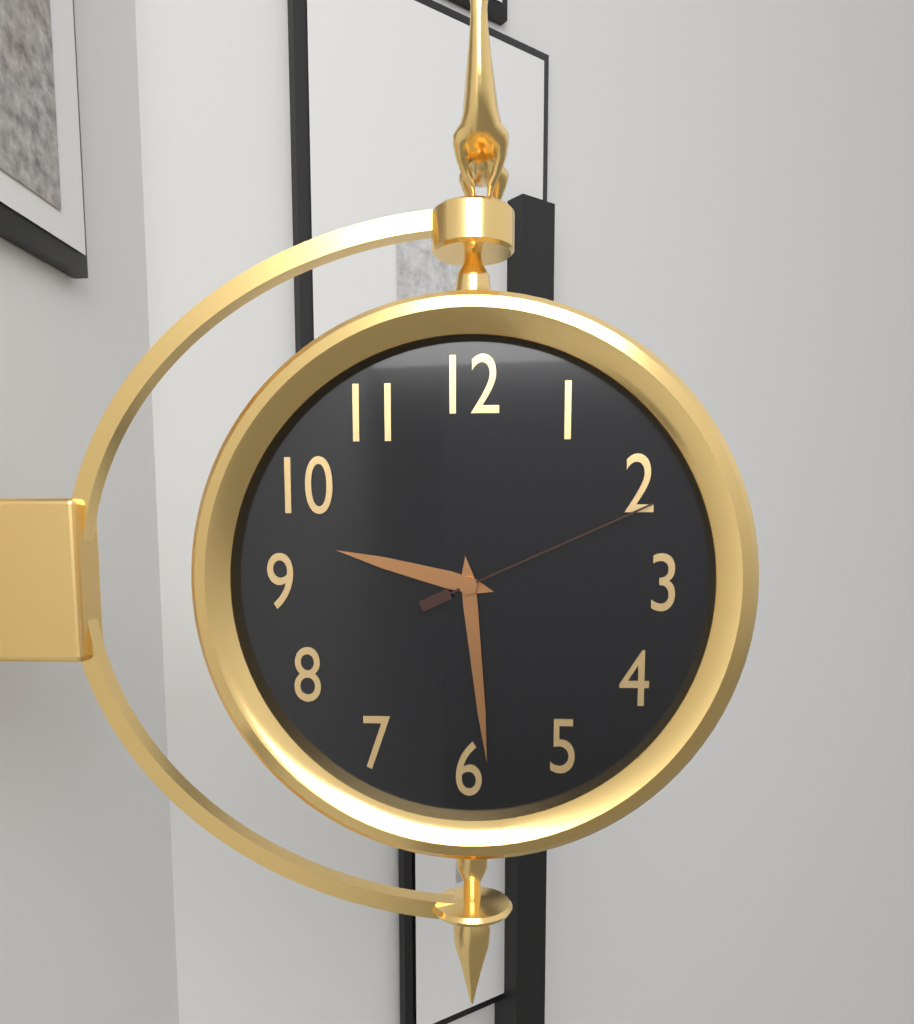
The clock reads 9h29m11s
